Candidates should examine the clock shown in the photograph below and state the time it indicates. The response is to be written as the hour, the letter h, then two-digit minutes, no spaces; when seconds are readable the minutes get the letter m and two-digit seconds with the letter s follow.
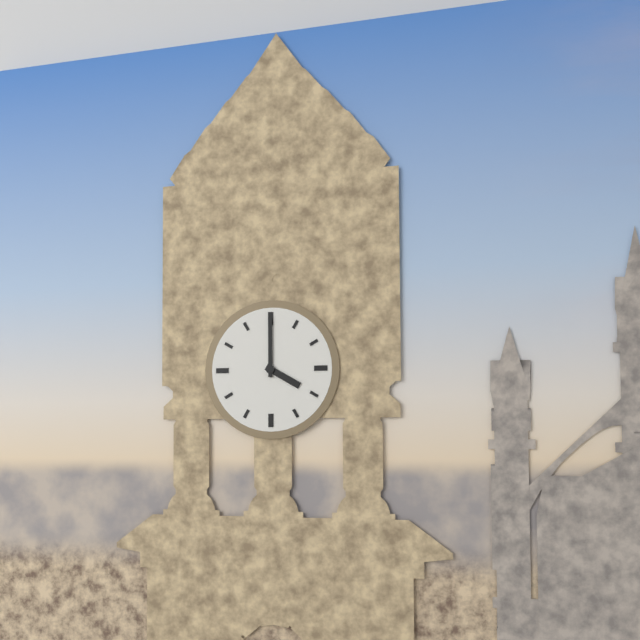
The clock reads 4h00
